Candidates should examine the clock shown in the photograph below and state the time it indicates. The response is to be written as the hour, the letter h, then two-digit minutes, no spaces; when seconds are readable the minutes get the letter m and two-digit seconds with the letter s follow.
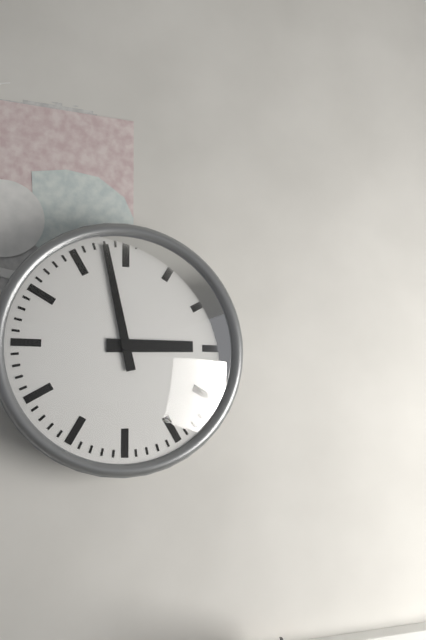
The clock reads 2h58
